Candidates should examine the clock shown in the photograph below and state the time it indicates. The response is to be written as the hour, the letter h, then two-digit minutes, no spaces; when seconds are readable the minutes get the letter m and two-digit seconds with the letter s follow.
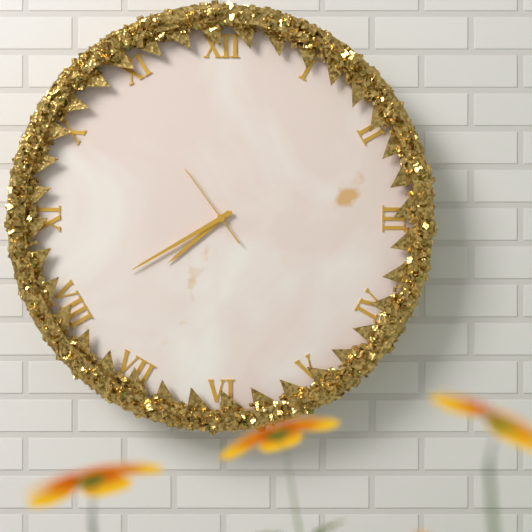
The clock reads 7h40m54s
